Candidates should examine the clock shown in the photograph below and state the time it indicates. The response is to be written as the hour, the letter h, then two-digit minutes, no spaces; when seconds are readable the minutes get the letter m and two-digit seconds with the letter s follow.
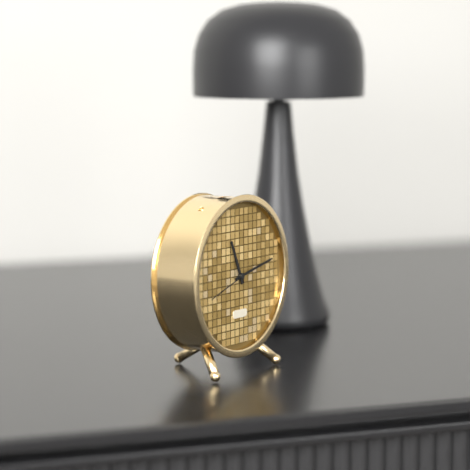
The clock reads 11h13
